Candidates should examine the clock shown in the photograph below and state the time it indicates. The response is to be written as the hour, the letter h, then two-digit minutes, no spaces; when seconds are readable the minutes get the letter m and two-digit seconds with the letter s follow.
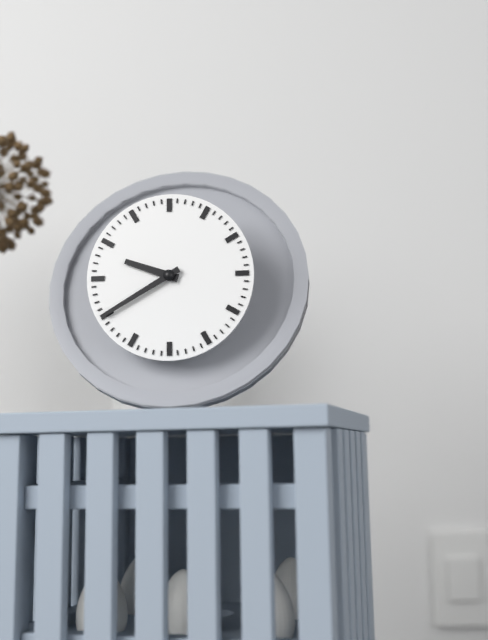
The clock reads 9h40
